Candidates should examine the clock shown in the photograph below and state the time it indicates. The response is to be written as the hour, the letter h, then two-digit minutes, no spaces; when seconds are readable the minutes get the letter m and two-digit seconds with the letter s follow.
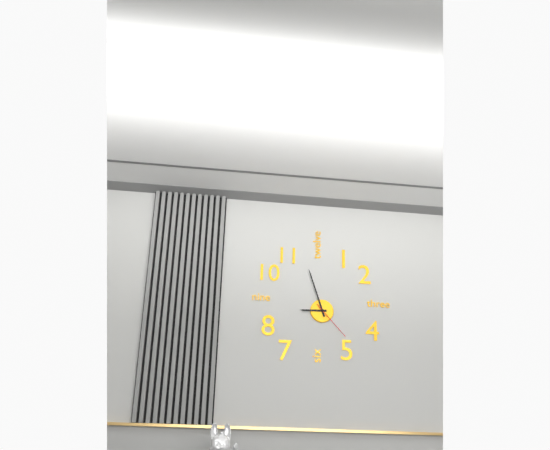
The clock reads 8h57
